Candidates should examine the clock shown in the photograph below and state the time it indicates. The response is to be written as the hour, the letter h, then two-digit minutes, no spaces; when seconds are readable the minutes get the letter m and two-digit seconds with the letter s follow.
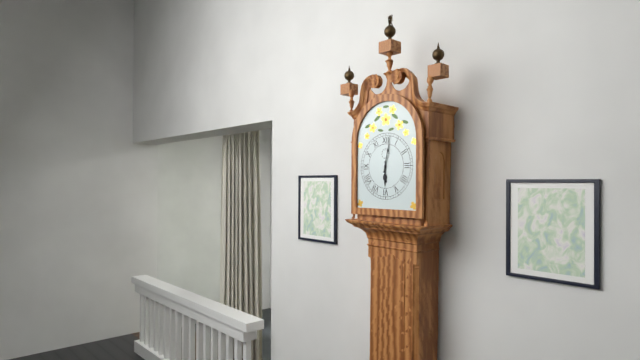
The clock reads 6h02
